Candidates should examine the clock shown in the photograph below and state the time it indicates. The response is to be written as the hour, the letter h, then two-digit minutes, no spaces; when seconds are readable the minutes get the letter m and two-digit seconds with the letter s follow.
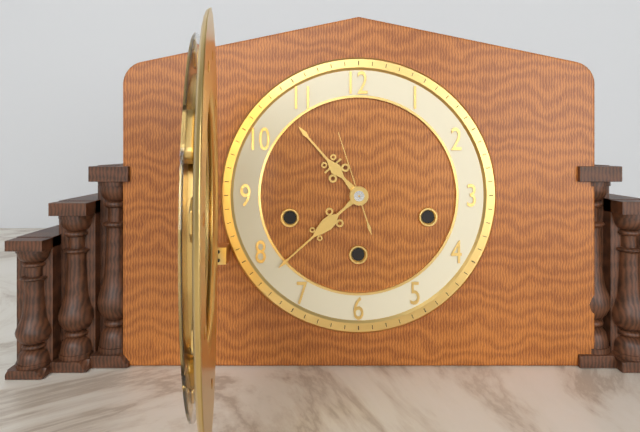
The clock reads 10h38m57s
